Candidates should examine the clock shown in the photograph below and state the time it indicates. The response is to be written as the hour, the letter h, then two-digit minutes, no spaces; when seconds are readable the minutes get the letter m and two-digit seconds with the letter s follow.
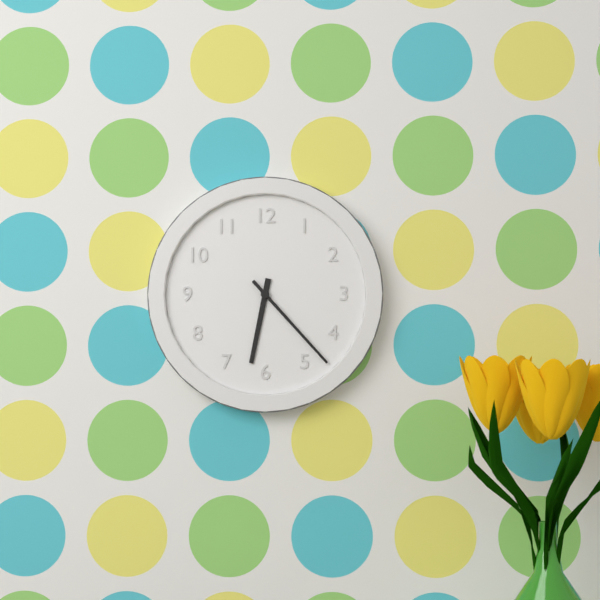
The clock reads 6h23
